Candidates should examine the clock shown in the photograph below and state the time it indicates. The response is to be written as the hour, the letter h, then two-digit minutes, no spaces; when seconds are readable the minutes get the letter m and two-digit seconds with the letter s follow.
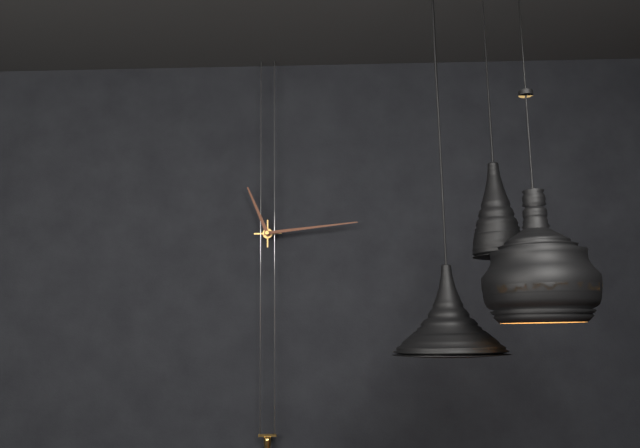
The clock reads 11h14
